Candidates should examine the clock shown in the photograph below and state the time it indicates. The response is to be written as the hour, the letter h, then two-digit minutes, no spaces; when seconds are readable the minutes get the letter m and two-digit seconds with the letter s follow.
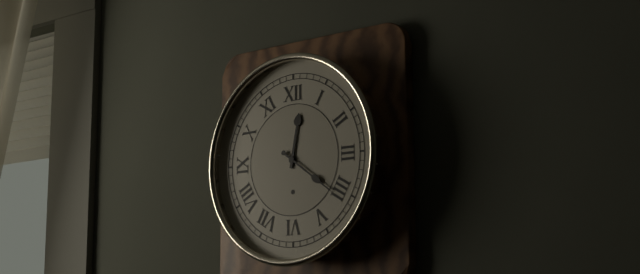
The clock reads 12h21
